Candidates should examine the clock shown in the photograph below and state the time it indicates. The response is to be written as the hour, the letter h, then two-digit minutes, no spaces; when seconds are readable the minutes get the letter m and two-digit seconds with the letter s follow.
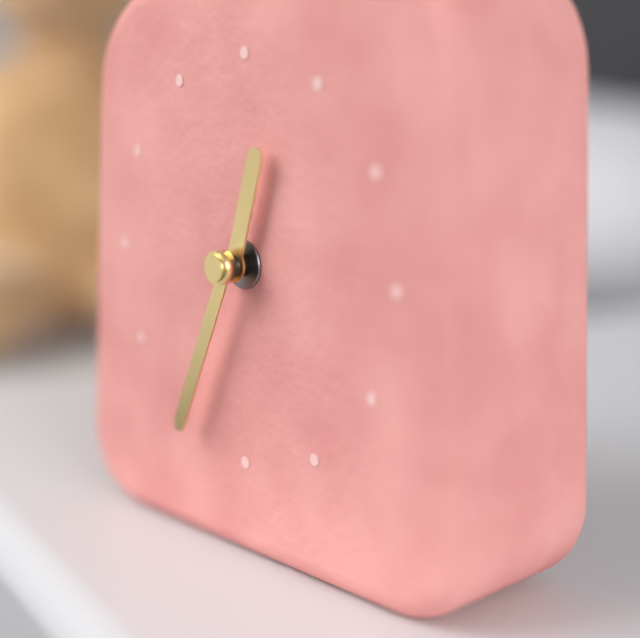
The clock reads 12h34
